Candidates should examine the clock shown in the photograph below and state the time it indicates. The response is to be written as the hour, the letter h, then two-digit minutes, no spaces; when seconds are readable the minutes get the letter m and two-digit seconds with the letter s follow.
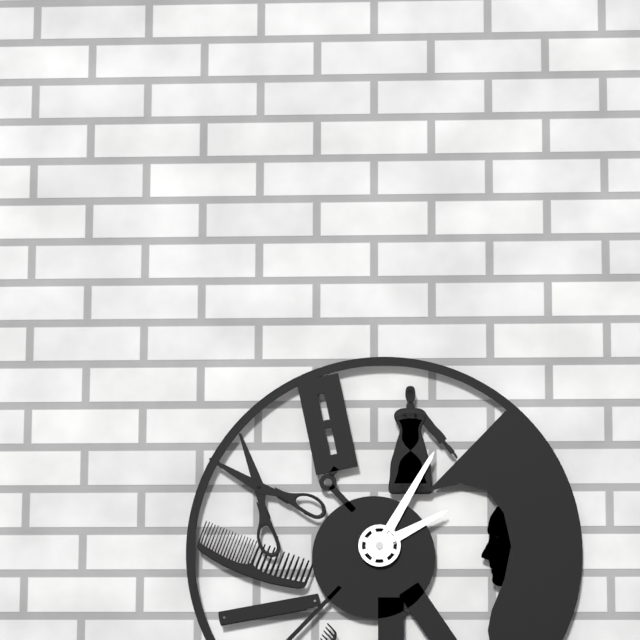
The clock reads 2h05
